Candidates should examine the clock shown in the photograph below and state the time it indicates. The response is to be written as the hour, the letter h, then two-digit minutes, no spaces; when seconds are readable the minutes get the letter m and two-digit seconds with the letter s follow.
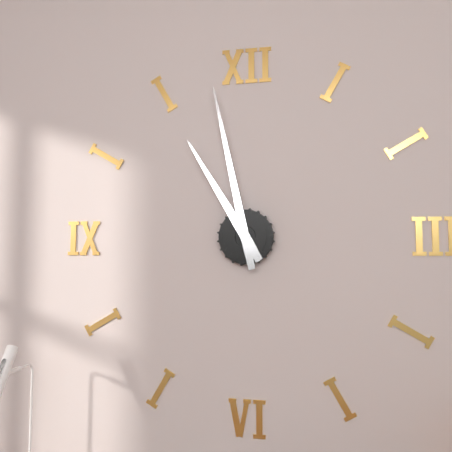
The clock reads 10h58
